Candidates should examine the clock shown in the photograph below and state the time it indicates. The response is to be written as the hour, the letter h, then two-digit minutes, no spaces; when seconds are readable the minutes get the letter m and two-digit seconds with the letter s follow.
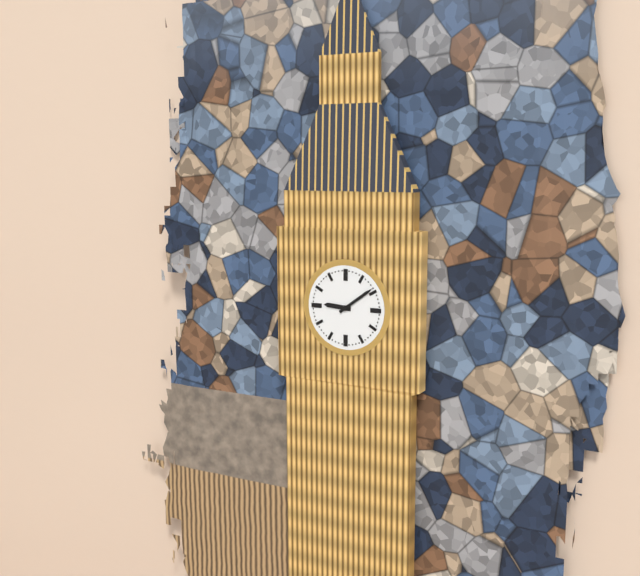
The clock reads 9h09
